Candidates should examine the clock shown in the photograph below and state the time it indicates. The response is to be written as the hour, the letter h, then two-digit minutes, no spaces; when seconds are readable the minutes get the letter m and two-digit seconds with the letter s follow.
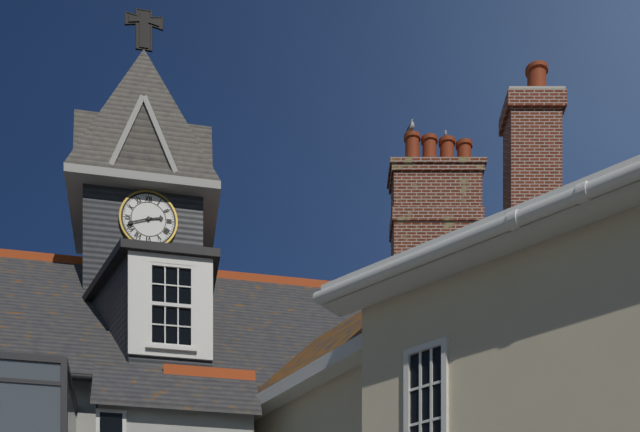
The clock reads 2h42
